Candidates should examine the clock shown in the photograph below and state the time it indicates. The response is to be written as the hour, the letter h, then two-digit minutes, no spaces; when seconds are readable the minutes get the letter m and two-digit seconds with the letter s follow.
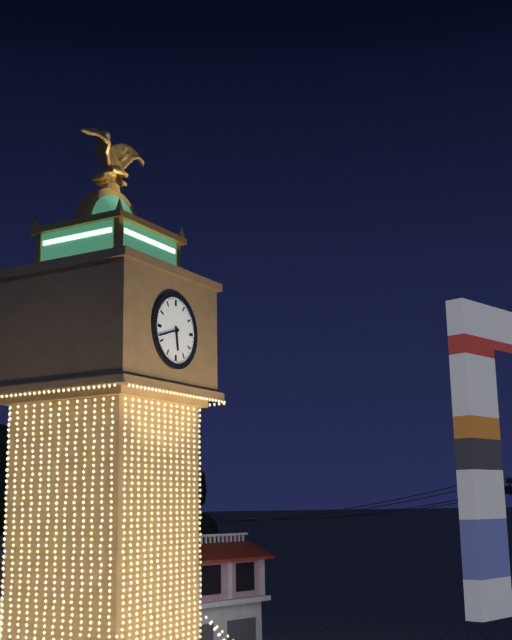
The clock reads 5h42
